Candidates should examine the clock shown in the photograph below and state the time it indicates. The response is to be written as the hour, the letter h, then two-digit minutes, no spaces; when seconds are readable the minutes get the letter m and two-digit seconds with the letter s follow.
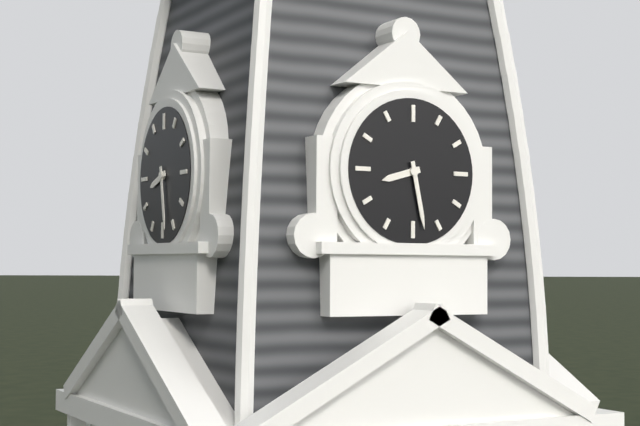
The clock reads 8h28
